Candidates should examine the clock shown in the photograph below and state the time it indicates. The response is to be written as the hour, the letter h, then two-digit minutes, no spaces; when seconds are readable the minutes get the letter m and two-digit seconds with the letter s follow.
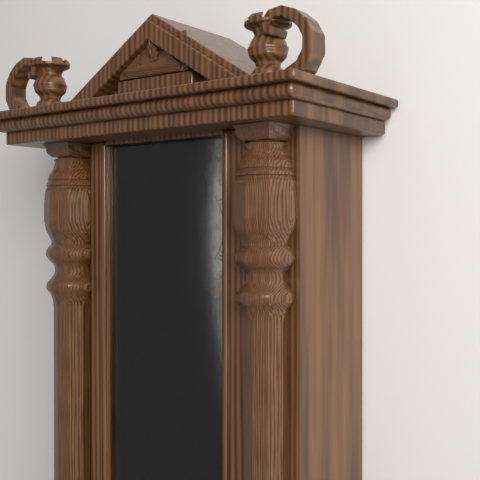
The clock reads 8h50
